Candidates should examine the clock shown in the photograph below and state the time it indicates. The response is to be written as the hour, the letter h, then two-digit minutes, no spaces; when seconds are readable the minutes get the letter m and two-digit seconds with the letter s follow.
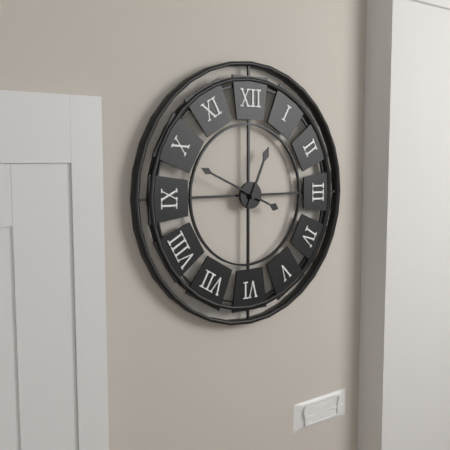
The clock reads 12h49
